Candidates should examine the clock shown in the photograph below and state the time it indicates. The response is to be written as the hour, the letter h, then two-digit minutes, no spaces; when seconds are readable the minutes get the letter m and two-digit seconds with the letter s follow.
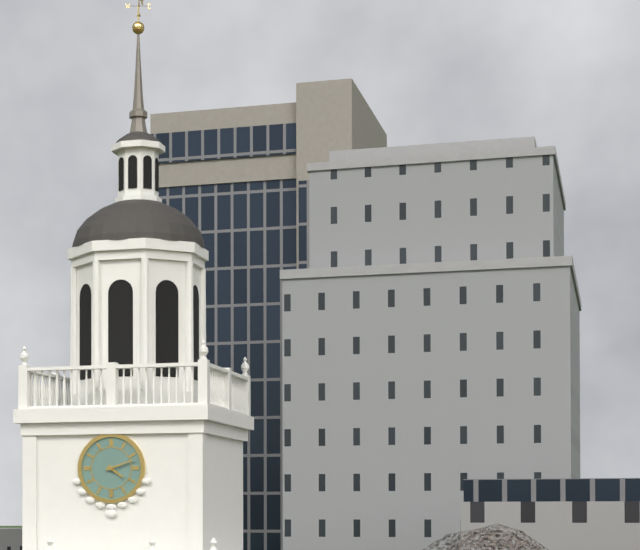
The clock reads 4h12
